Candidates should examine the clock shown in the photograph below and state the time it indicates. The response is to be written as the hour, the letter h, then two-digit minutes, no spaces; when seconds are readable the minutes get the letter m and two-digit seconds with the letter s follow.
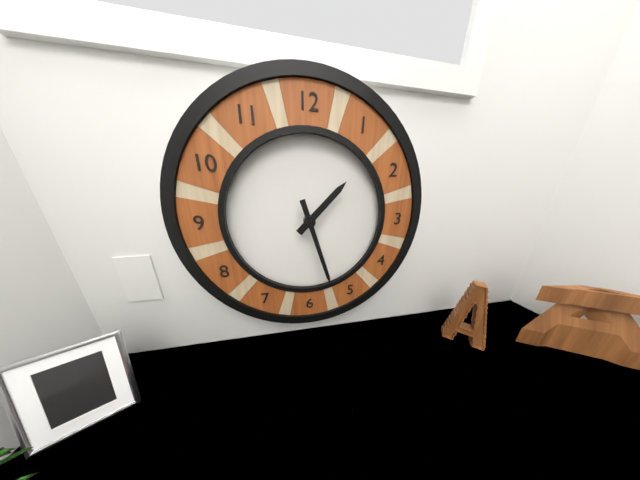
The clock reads 1h27
